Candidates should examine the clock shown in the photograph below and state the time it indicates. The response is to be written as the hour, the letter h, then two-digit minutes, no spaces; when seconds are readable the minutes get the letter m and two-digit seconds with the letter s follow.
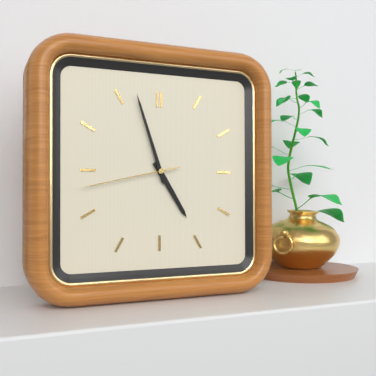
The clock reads 4h57m43s
